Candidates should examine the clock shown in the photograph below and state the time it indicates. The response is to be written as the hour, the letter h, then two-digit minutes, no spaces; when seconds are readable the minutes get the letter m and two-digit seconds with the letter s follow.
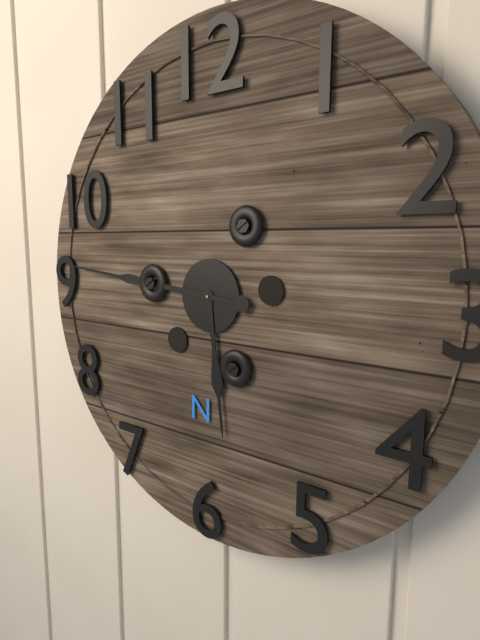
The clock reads 5h46
